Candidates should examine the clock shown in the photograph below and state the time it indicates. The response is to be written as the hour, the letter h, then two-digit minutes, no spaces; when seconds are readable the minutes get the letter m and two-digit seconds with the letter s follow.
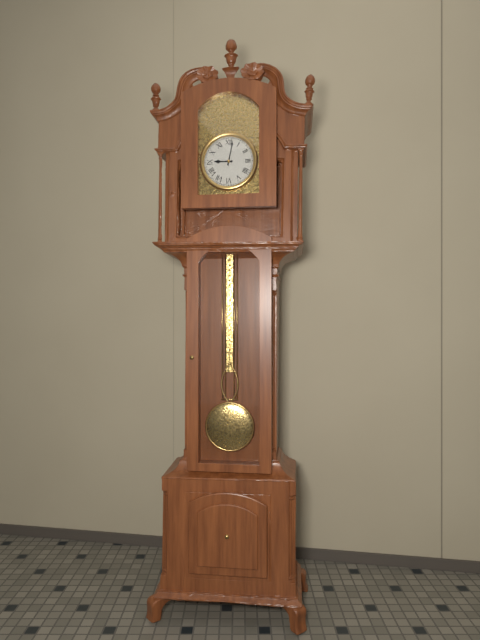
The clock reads 9h02
